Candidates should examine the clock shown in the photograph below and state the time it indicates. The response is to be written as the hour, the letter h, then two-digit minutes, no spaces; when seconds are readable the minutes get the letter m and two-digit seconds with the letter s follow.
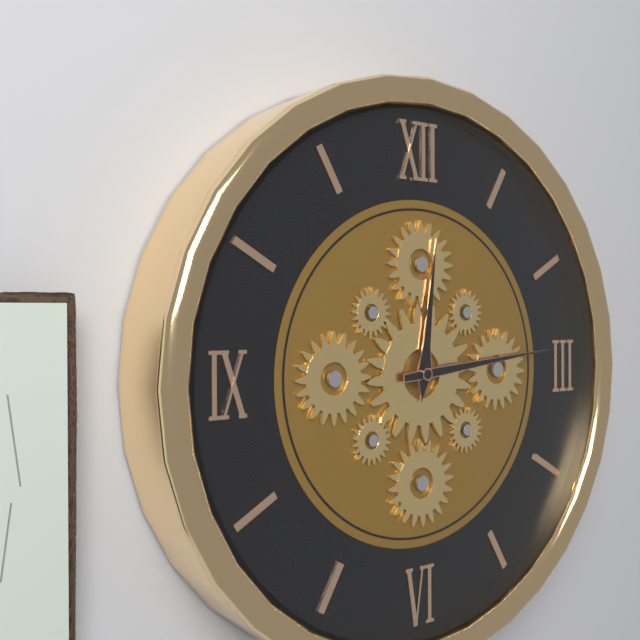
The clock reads 12h14
